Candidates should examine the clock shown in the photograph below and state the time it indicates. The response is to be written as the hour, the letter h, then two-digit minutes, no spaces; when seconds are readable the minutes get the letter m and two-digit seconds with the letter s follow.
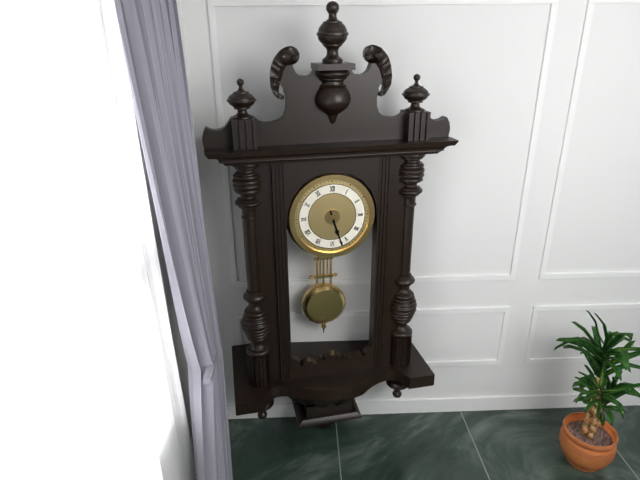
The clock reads 5h27
